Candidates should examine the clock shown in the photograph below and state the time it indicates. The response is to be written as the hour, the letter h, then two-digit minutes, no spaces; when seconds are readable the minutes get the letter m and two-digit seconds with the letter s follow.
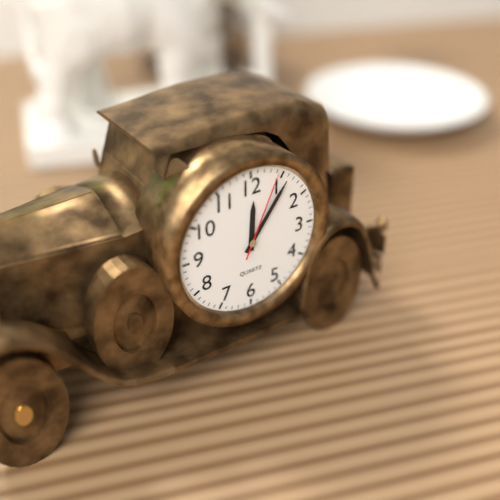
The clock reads 12h06m04s
